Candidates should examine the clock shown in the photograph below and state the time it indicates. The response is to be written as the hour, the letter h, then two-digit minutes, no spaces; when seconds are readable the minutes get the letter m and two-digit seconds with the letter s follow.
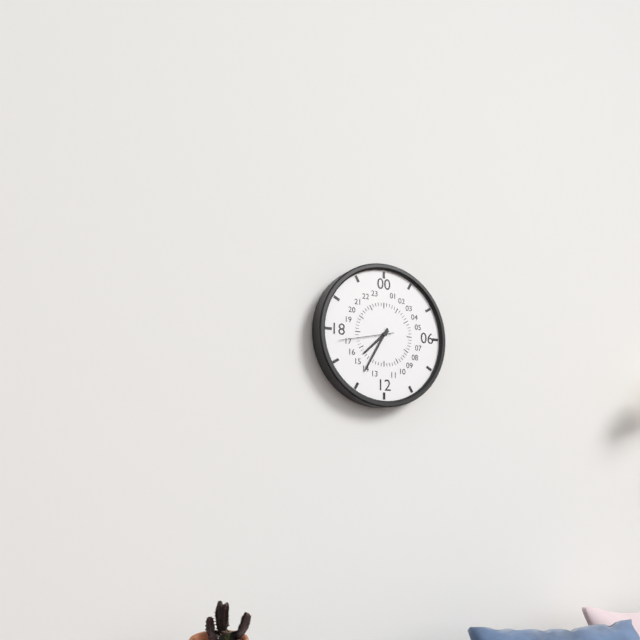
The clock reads 7h35m43s
